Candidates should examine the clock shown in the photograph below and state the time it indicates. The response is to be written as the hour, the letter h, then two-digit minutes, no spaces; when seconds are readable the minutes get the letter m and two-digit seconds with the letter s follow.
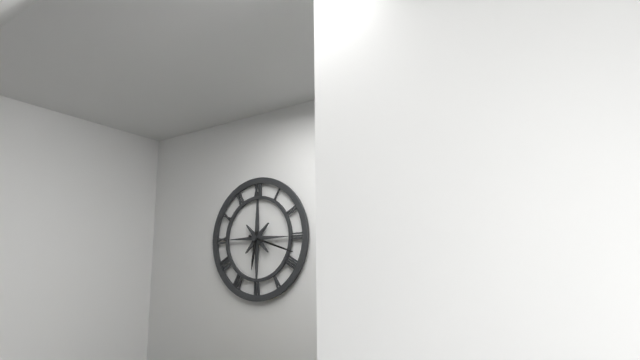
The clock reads 6h18
